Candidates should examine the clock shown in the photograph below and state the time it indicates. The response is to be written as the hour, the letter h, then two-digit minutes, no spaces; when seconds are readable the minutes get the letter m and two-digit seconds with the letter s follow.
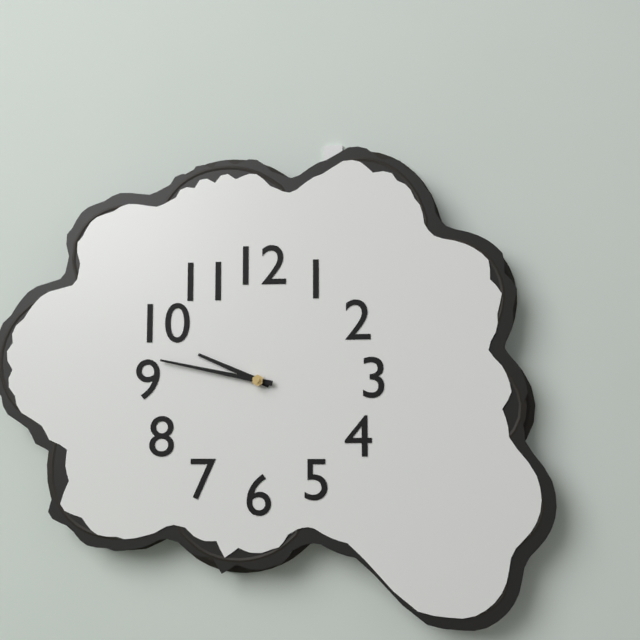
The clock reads 9h47
